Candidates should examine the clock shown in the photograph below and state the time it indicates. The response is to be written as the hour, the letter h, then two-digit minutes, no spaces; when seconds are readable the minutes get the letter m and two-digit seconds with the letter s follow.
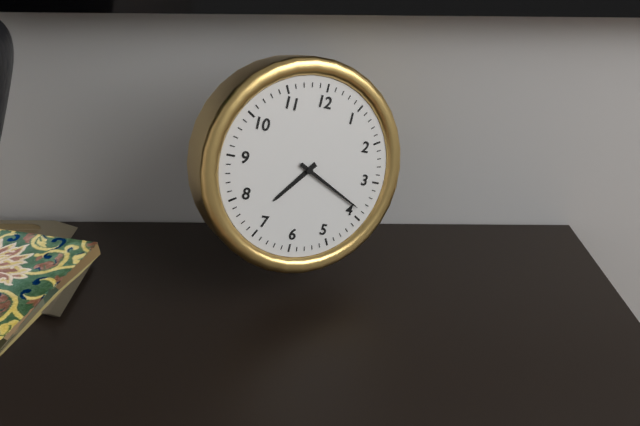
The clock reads 7h19
